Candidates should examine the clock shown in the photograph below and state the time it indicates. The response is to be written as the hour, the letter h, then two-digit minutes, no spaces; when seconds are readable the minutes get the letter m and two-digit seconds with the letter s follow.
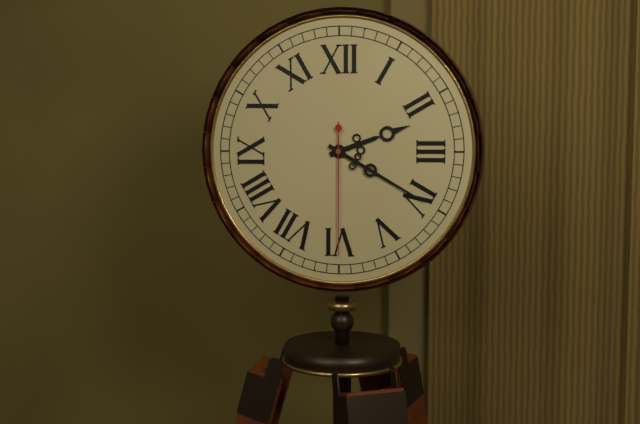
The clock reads 2h20m30s
